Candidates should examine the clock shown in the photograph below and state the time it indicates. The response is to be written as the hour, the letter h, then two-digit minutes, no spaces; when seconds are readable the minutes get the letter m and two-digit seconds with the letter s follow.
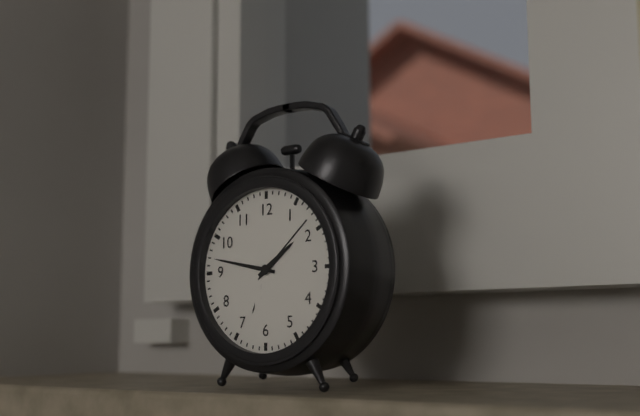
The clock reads 1h47
